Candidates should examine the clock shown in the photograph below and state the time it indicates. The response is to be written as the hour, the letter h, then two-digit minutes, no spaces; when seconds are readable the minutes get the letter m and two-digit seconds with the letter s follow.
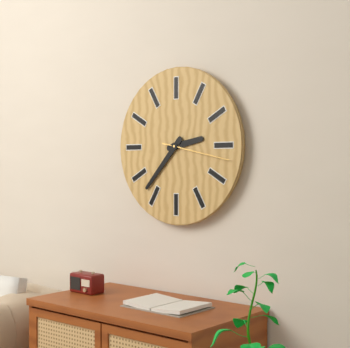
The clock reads 2h37m17s
